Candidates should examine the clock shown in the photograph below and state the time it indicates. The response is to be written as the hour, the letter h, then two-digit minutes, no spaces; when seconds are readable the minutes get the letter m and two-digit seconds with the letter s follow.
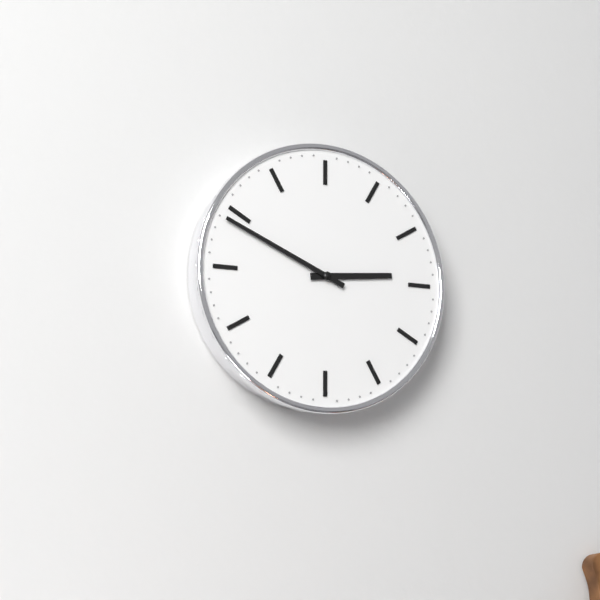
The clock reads 2h49
